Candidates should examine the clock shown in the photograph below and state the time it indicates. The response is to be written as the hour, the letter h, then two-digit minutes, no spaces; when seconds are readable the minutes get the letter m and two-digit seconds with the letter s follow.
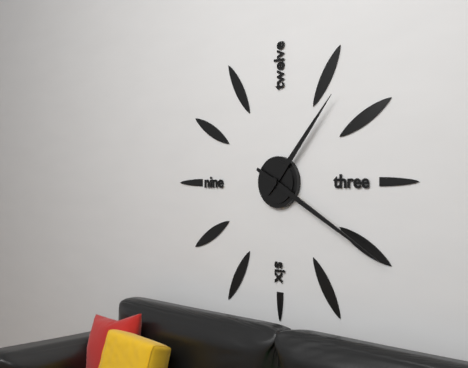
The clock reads 1h20
